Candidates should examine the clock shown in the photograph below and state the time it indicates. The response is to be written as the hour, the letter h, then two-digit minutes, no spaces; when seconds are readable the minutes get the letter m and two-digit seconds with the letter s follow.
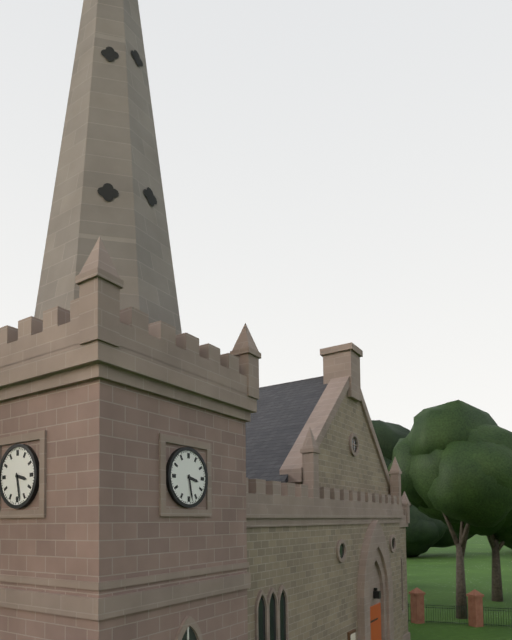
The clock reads 3h28
